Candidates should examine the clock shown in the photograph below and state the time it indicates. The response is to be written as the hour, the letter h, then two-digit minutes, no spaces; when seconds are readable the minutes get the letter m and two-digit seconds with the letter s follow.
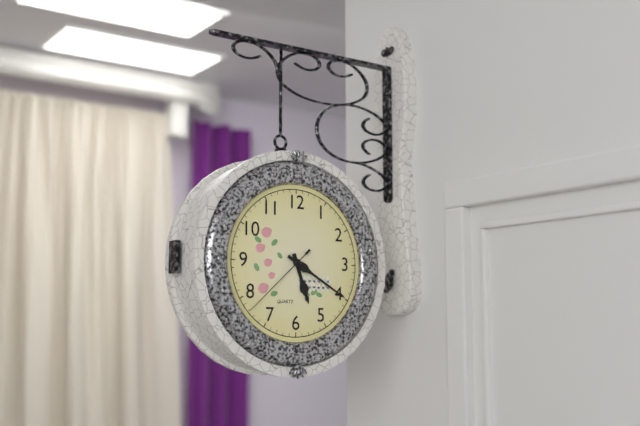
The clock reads 5h20m38s
